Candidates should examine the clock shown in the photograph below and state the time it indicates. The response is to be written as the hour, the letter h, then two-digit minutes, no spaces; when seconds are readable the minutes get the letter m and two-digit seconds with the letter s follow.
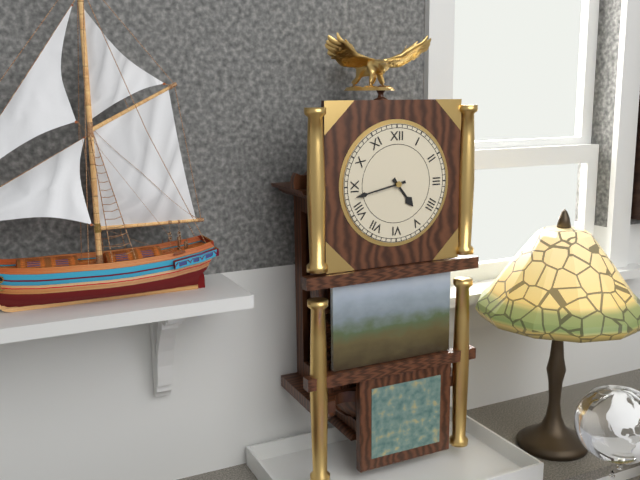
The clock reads 4h43
